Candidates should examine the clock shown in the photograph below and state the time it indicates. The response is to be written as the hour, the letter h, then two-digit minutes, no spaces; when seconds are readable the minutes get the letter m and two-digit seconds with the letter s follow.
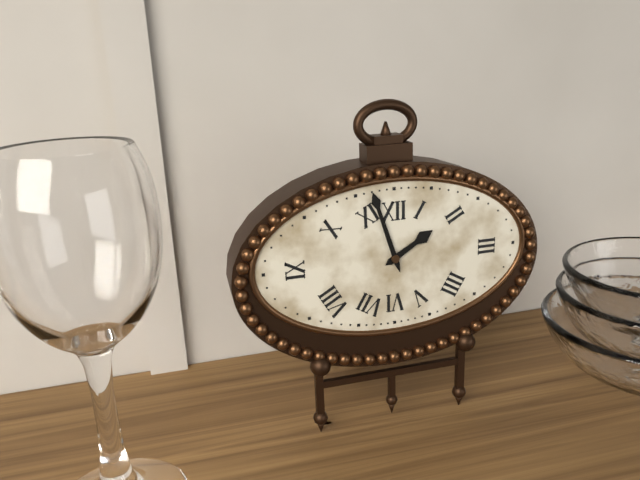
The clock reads 1h57
